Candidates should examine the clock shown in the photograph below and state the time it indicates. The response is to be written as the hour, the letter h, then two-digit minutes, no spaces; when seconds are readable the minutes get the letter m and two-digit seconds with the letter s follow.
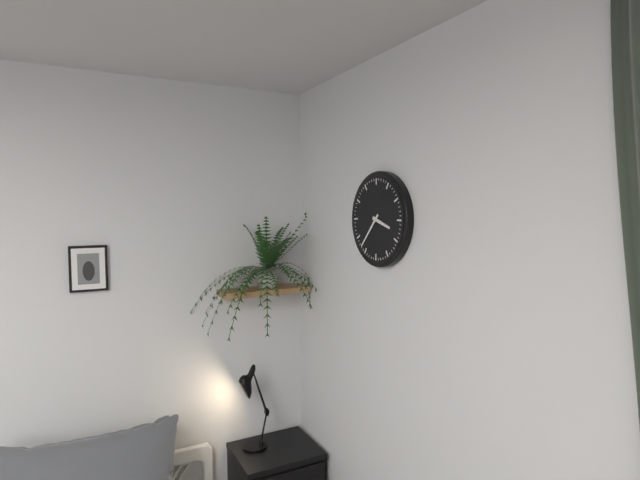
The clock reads 3h37
